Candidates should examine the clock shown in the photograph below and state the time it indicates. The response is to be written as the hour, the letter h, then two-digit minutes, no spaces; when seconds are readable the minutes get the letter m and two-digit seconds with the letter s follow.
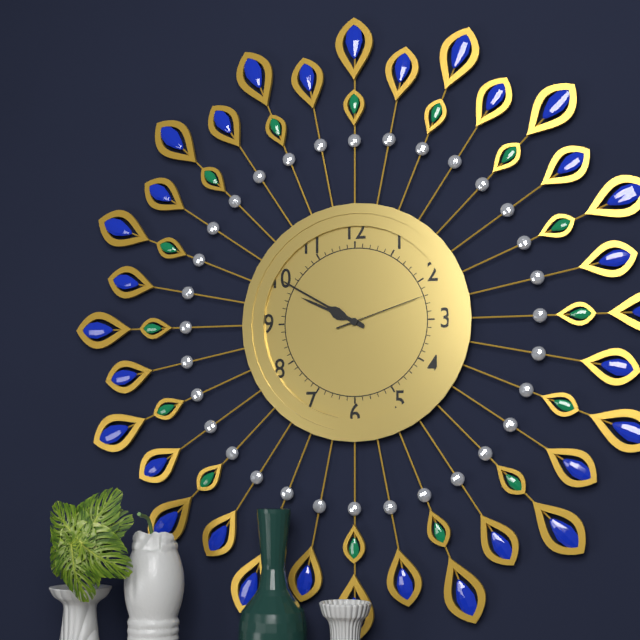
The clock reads 9h50m12s
